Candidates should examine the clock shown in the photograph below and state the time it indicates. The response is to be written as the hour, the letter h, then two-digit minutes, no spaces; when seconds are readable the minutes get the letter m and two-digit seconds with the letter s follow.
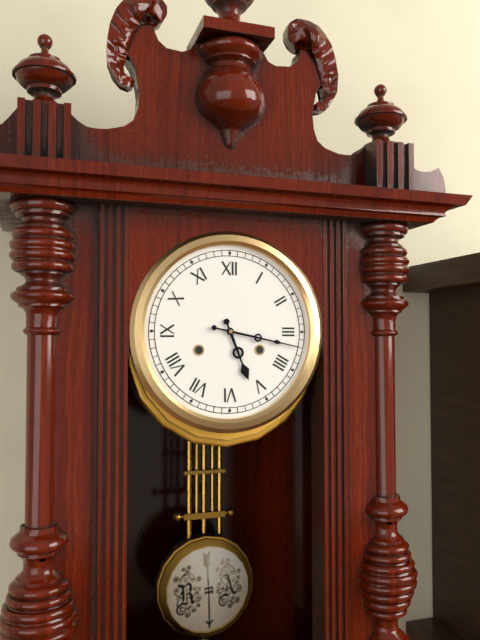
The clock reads 5h17
